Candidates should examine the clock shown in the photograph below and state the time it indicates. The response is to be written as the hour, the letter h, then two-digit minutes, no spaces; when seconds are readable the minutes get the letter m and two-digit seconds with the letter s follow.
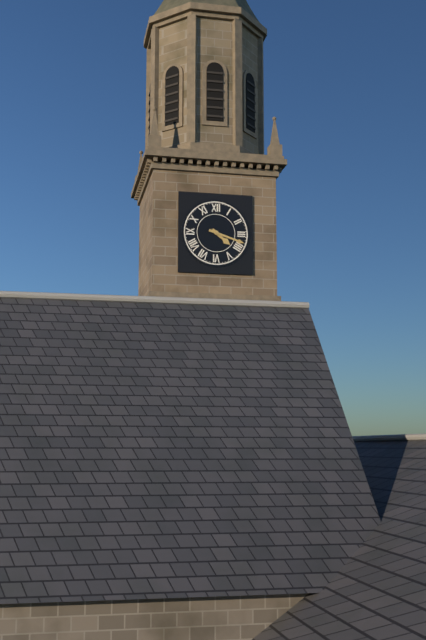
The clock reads 4h18
